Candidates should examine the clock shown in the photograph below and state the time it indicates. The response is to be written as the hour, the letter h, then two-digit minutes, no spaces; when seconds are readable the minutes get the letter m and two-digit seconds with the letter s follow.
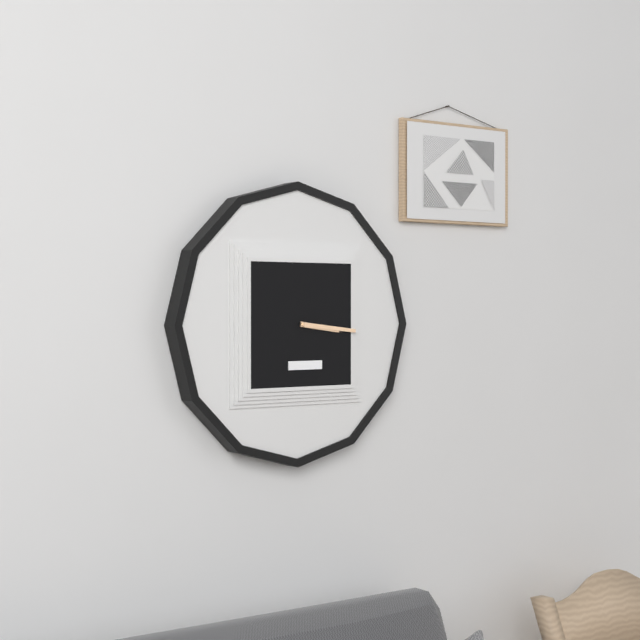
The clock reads 3h16
